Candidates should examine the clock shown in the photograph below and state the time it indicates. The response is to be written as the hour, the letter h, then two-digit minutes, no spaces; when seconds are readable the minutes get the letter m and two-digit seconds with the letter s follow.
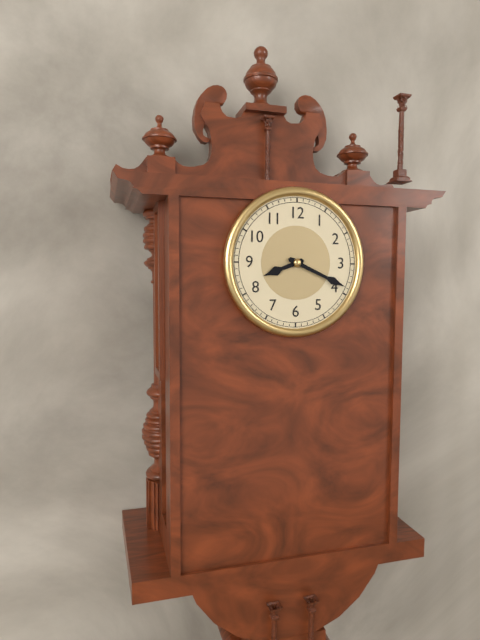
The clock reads 8h19
